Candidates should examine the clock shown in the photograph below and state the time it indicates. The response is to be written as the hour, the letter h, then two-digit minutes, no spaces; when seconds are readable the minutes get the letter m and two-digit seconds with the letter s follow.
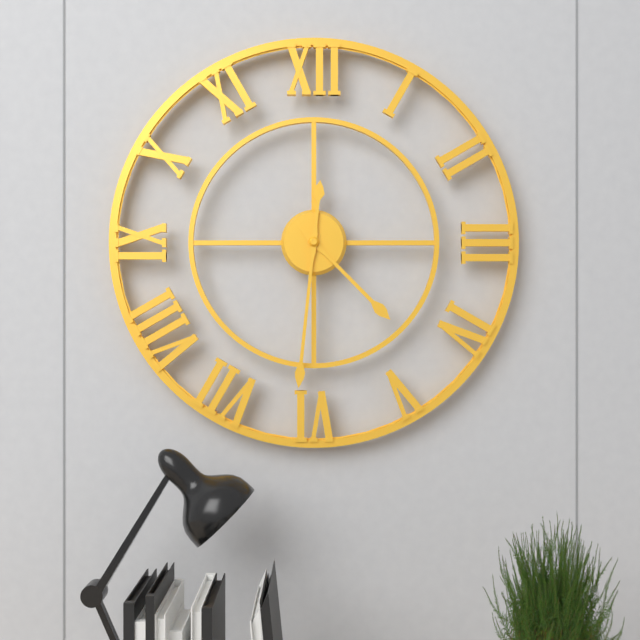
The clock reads 4h31
